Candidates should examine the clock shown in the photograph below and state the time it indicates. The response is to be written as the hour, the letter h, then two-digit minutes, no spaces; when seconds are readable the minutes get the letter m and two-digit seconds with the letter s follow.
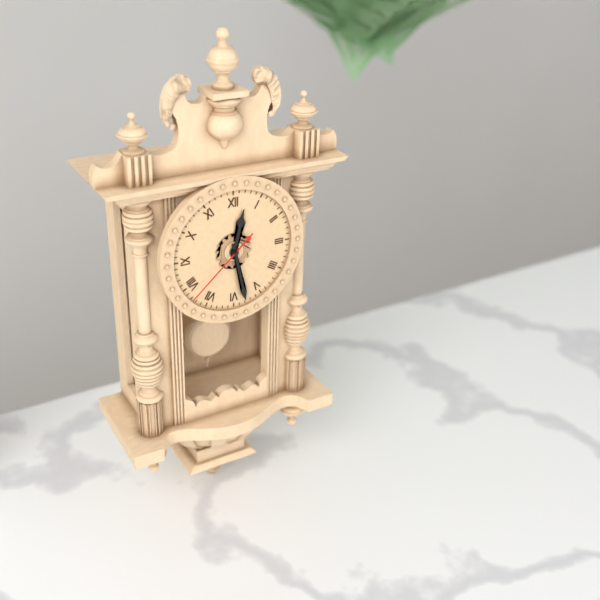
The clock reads 12h28m38s
